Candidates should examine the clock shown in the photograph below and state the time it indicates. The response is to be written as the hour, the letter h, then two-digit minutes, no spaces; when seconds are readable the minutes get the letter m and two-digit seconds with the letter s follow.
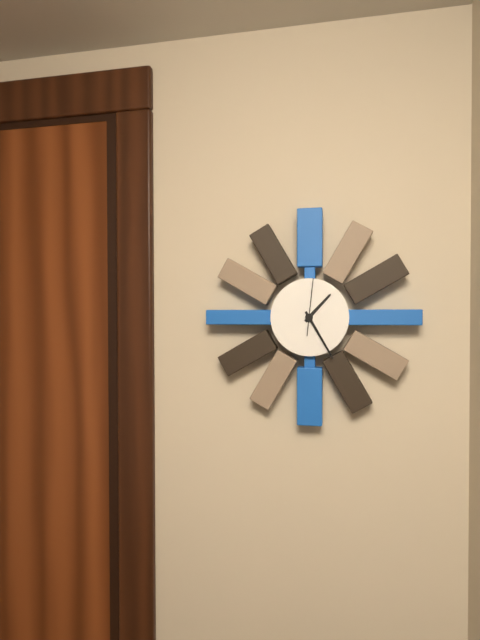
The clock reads 1h25m01s
